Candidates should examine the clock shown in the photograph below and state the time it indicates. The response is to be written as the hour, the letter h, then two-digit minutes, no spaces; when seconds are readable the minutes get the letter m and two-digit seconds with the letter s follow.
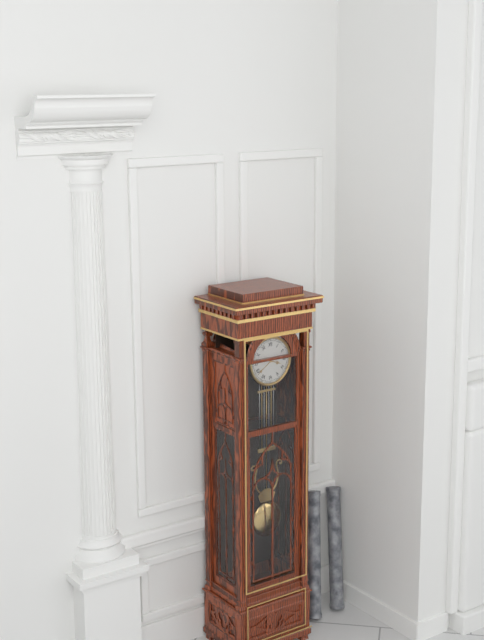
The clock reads 3h39
